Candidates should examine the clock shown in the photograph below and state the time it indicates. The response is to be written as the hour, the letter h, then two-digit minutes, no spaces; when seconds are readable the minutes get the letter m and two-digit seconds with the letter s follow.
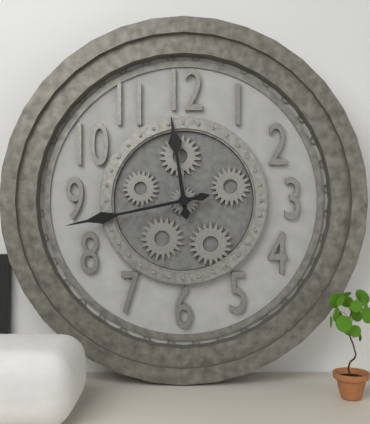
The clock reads 11h43
